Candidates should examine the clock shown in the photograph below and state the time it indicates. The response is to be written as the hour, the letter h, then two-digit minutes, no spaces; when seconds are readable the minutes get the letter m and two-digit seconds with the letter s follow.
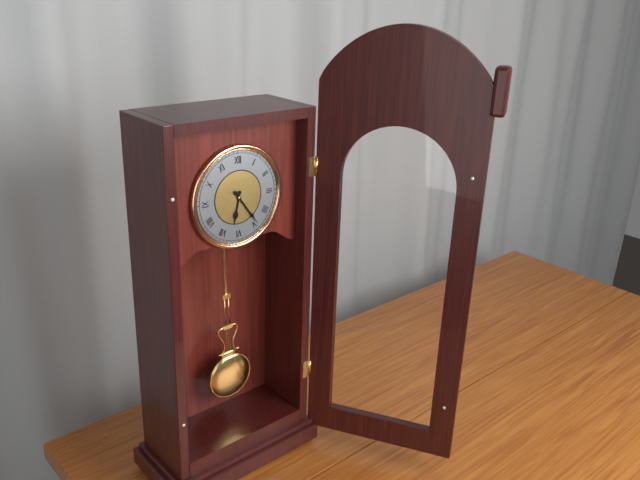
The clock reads 6h24
